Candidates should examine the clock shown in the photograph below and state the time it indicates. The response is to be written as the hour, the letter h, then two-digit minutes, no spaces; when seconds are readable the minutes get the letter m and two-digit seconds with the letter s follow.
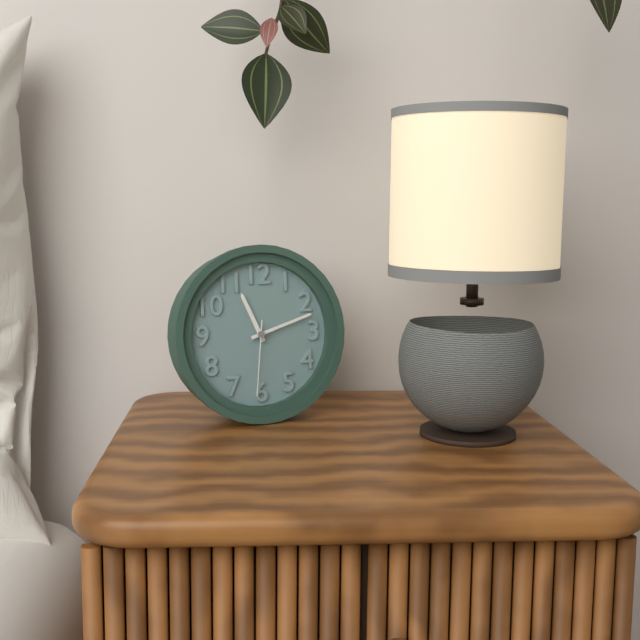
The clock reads 11h12m31s
